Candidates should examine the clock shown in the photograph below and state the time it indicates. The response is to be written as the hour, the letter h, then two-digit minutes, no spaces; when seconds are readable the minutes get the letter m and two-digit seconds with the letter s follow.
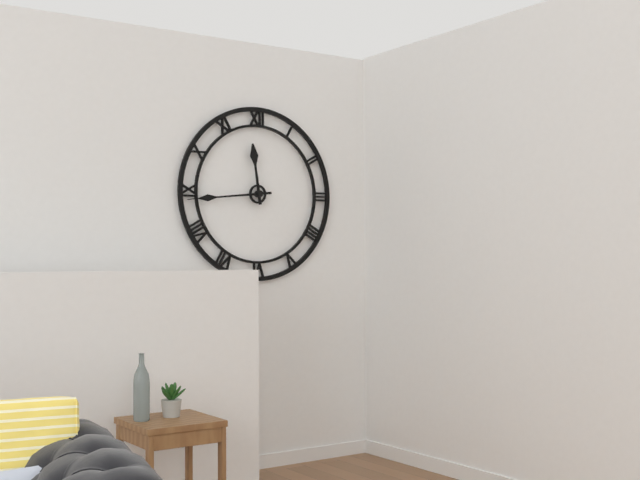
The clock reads 11h44
